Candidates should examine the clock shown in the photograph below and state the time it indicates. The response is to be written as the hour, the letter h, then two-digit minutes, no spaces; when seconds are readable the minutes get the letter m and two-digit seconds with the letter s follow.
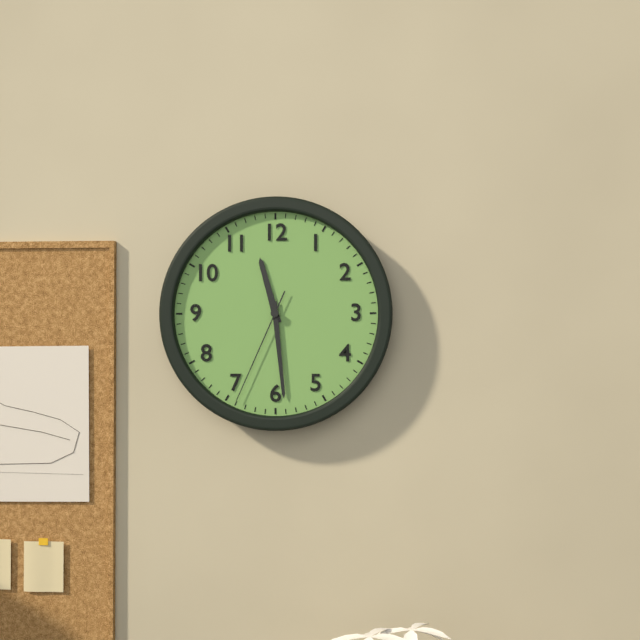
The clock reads 11h29m34s
